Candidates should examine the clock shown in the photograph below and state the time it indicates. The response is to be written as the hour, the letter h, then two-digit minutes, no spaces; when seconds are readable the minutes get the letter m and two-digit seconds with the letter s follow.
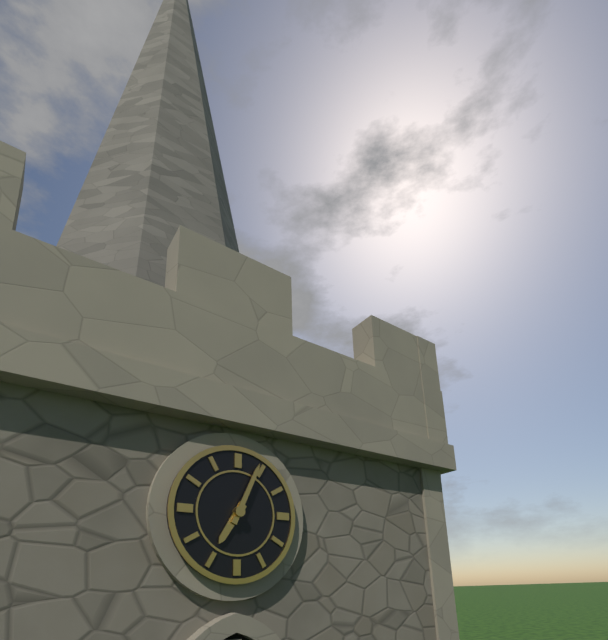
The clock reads 7h04
